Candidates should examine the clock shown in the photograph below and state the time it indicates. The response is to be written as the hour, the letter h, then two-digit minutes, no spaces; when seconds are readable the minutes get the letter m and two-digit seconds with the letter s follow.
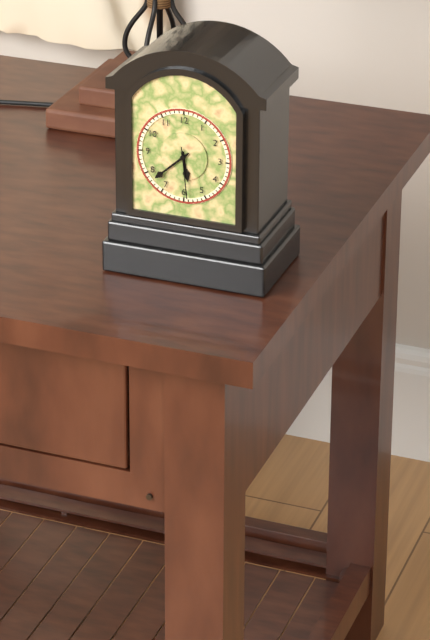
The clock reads 5h38m29s
